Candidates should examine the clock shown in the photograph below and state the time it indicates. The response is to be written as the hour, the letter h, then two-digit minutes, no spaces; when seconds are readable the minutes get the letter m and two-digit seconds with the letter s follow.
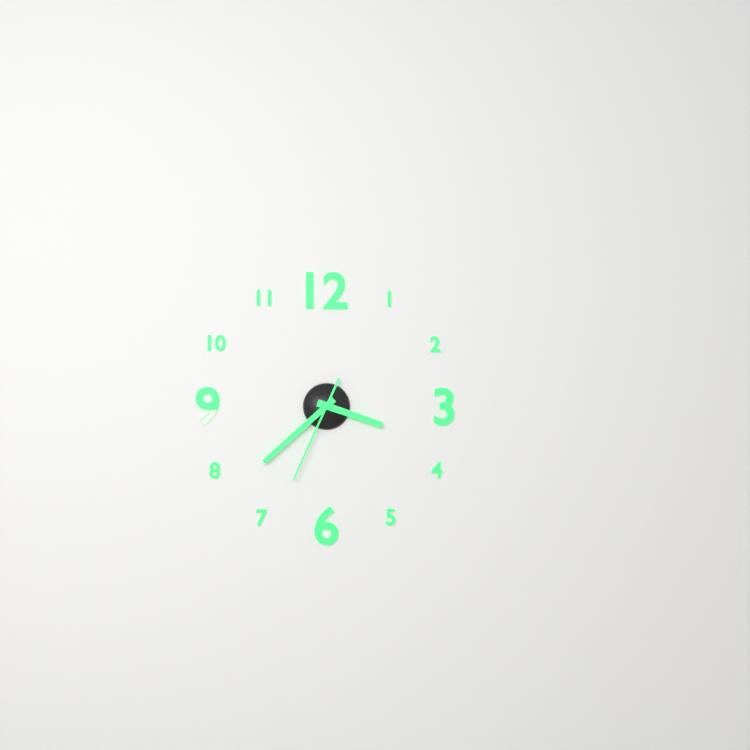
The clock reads 3h38m34s
